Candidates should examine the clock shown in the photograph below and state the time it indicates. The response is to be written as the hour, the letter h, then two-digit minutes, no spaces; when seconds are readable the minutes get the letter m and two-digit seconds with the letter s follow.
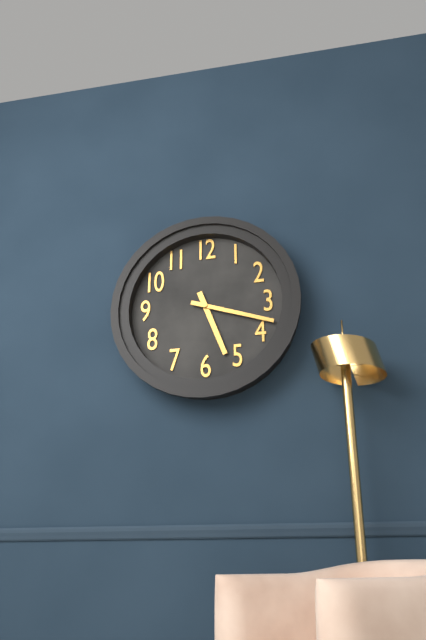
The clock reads 5h18
